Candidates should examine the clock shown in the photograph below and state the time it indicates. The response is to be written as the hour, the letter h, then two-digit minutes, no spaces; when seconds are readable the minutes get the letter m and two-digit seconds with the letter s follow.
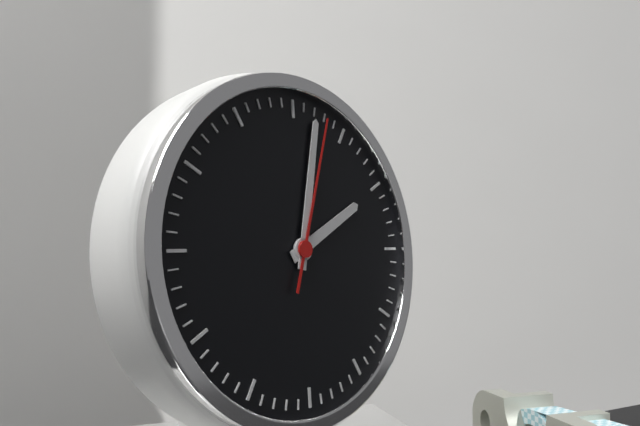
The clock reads 2h02m03s
